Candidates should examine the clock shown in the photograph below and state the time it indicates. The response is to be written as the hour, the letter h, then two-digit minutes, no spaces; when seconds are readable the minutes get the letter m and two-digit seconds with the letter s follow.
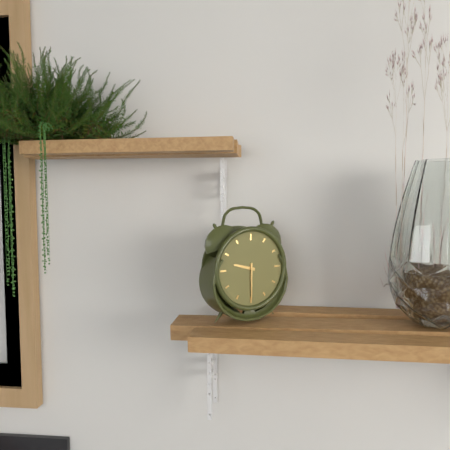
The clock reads 9h30
